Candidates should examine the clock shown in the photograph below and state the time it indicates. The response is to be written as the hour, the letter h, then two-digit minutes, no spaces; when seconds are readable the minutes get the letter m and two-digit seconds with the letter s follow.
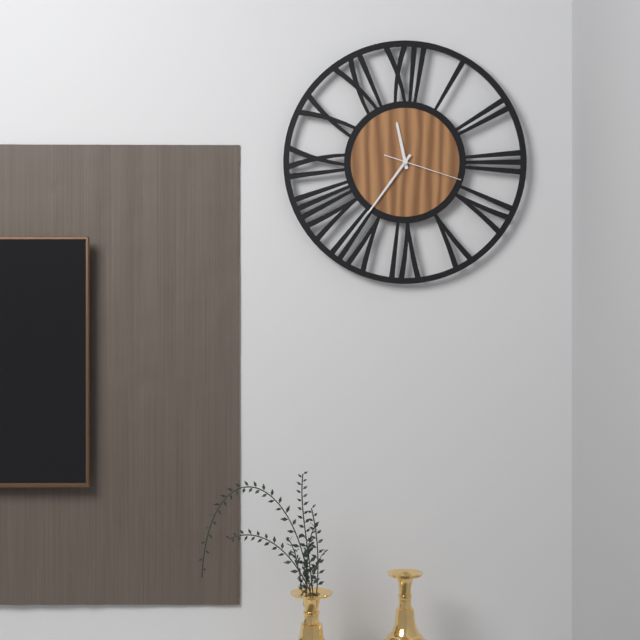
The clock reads 11h36m18s
